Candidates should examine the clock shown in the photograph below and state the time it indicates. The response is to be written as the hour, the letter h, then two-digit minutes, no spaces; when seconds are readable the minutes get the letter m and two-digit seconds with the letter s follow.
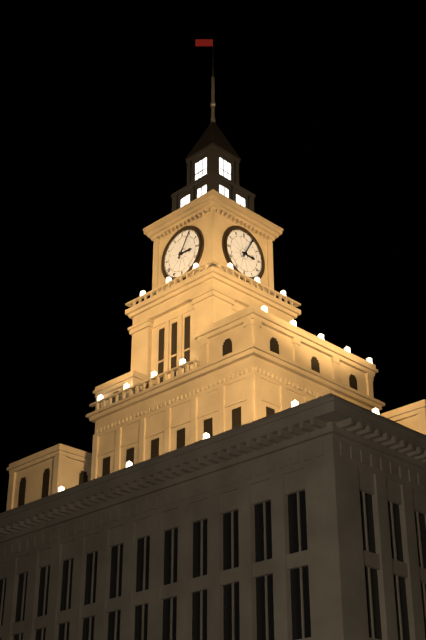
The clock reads 3h05
